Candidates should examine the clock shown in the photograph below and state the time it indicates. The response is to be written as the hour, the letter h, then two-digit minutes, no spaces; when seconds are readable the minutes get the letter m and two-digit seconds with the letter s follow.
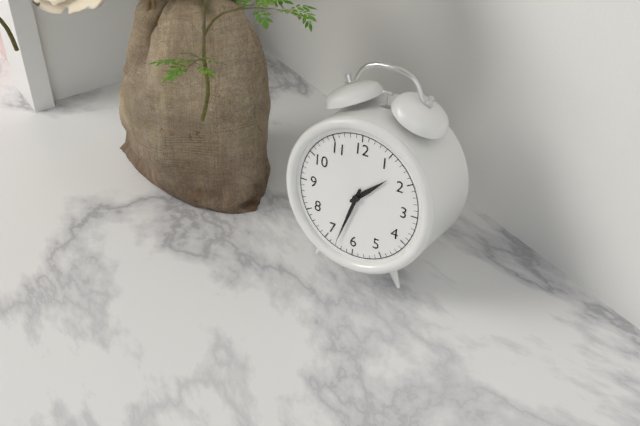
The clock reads 1h33
